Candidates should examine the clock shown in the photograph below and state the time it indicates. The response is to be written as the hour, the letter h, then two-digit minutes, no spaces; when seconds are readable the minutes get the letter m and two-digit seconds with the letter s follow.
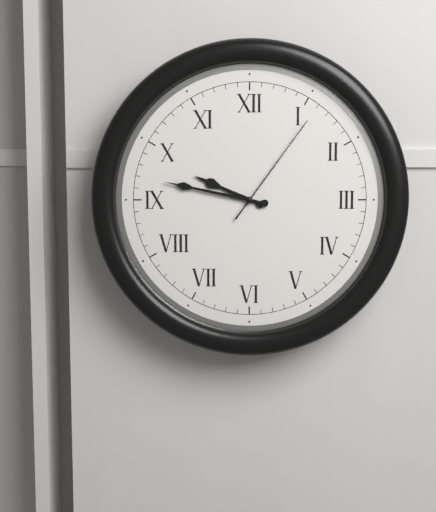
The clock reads 9h47m06s
